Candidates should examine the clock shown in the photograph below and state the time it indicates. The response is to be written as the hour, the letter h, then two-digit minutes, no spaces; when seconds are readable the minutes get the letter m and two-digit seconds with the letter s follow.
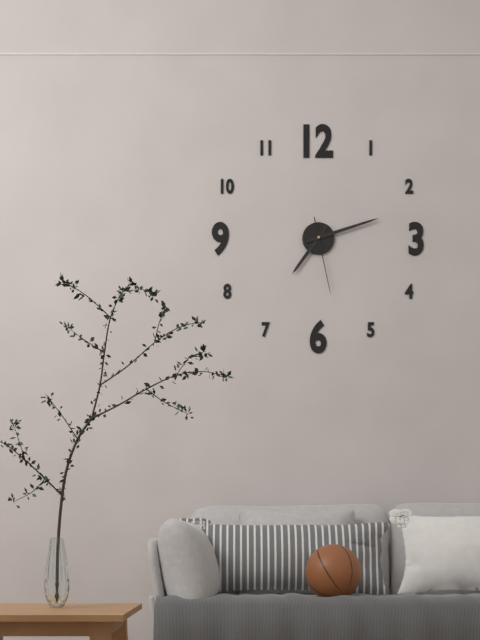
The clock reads 7h12m28s
